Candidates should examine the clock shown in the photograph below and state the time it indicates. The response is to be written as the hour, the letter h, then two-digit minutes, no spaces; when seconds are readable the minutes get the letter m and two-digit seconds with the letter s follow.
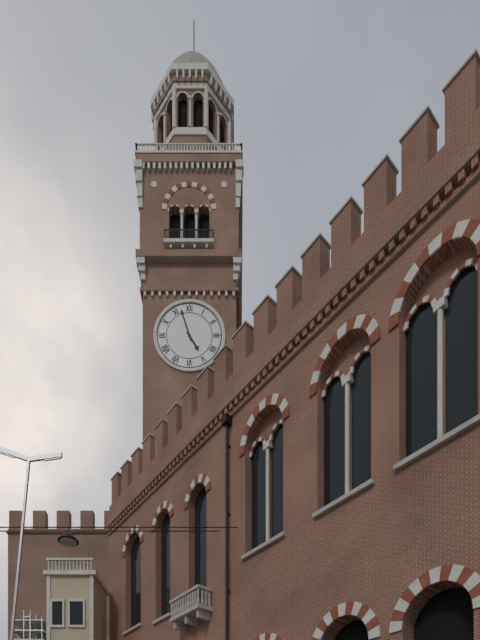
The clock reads 4h57
